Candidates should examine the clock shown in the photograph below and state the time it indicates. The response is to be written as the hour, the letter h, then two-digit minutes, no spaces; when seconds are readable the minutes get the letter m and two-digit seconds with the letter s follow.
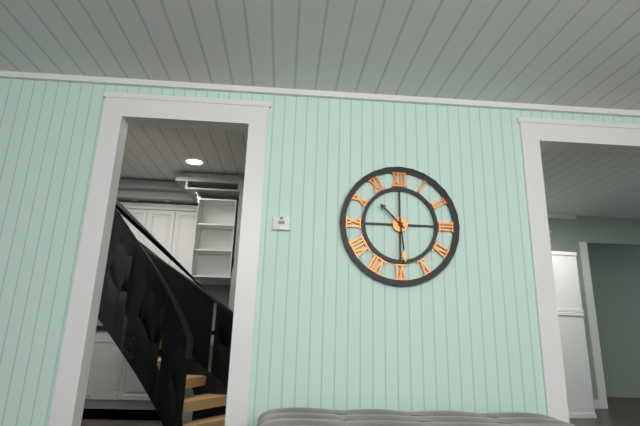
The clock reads 10h29
